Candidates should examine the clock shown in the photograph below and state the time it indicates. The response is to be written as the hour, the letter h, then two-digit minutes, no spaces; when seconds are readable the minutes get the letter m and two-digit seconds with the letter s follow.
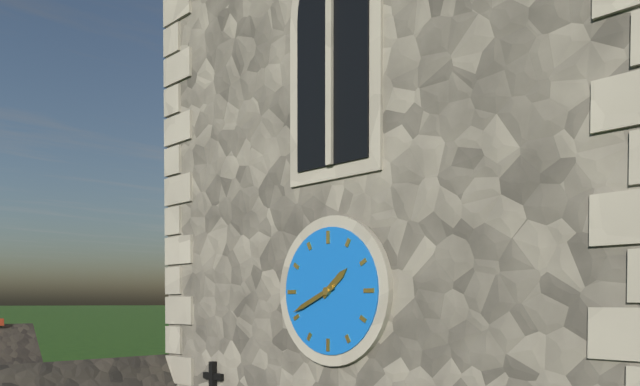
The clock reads 1h41
